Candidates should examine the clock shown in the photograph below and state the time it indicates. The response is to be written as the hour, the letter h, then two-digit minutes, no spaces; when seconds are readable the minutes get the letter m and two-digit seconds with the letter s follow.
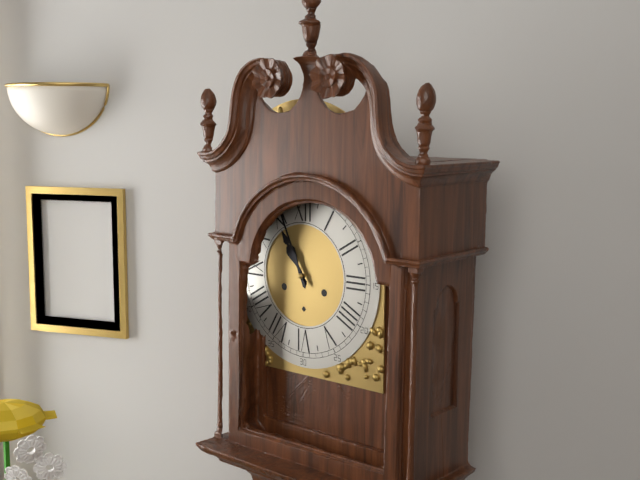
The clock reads 10h56
